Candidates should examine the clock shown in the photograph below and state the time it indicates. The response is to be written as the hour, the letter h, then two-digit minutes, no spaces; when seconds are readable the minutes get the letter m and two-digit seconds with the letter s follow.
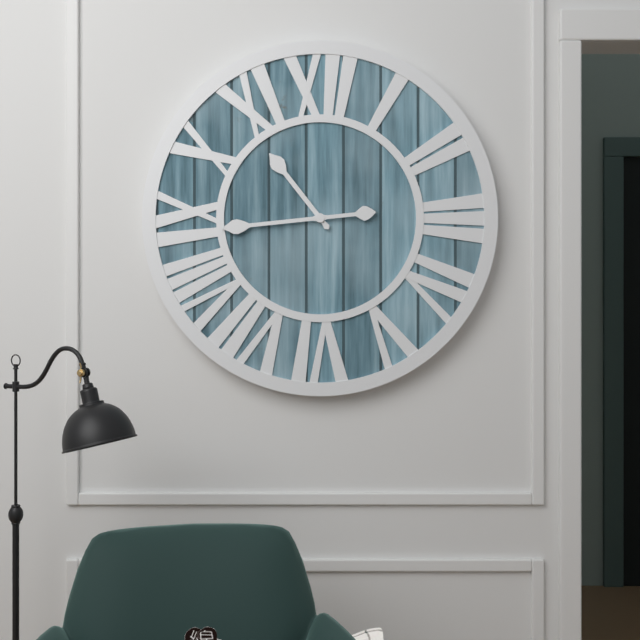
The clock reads 10h44
